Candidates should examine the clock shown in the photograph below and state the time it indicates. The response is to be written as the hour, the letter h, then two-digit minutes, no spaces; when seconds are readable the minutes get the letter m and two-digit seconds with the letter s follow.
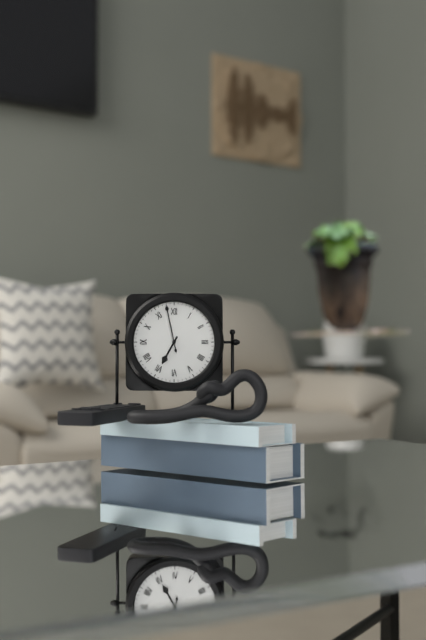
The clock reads 6h58
